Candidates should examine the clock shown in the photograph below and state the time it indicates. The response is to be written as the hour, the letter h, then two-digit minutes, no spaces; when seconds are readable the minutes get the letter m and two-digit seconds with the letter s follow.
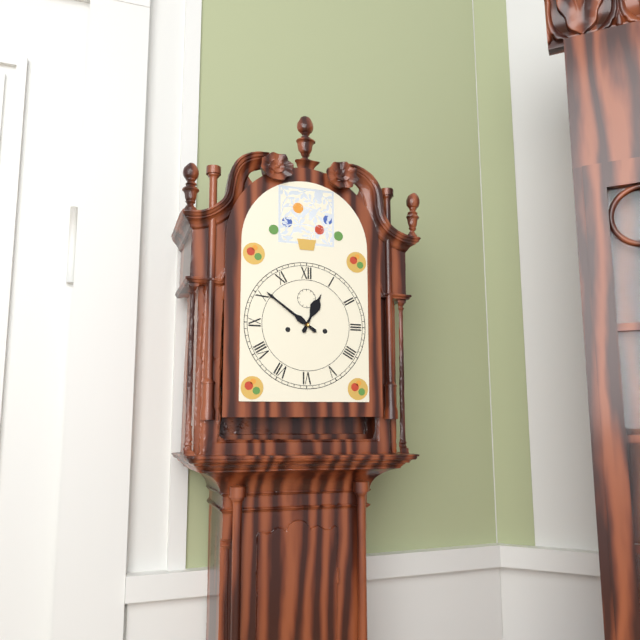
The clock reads 12h51
